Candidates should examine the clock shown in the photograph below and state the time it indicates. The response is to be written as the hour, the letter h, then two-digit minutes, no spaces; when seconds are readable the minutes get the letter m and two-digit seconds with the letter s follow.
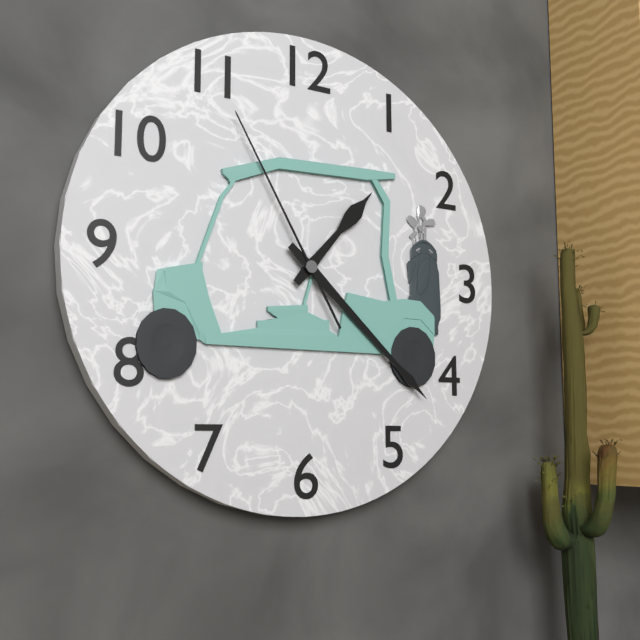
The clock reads 1h22m55s
